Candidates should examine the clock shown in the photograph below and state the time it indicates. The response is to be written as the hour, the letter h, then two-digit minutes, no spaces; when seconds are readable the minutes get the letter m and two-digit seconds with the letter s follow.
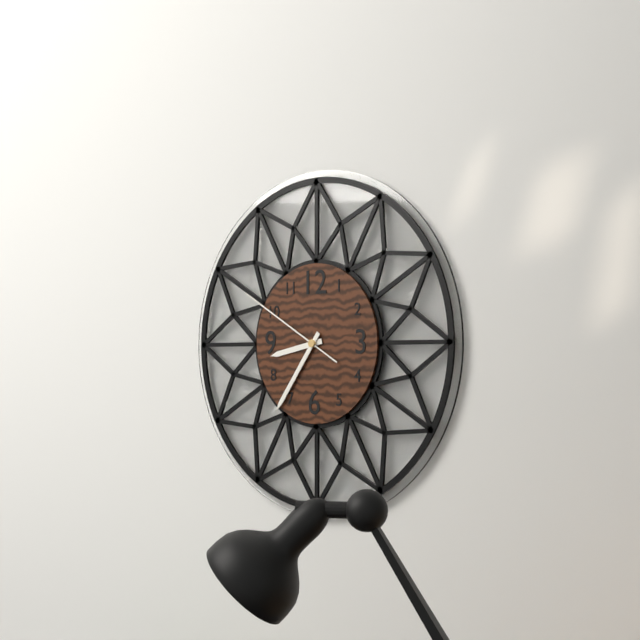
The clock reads 8h36m50s
